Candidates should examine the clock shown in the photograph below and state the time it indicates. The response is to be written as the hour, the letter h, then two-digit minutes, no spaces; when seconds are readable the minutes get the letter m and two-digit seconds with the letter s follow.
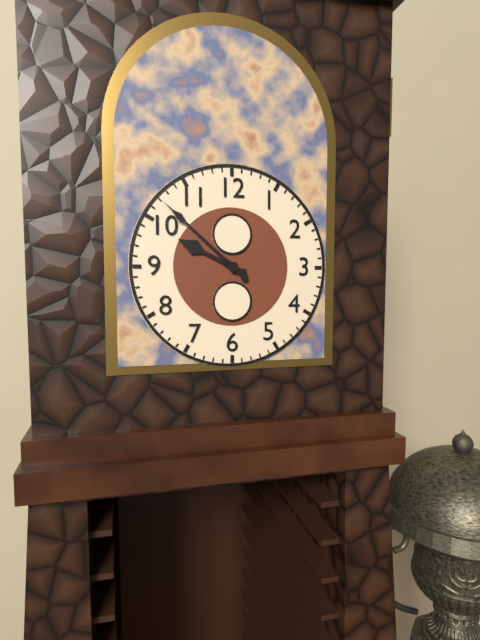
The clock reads 9h52
